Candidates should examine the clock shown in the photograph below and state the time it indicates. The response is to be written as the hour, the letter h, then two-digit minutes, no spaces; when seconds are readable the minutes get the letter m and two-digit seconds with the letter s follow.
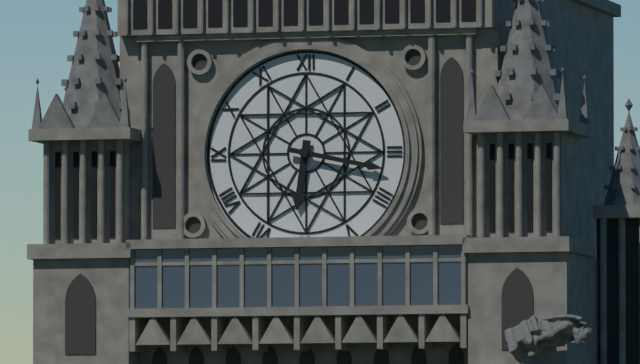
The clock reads 6h17
